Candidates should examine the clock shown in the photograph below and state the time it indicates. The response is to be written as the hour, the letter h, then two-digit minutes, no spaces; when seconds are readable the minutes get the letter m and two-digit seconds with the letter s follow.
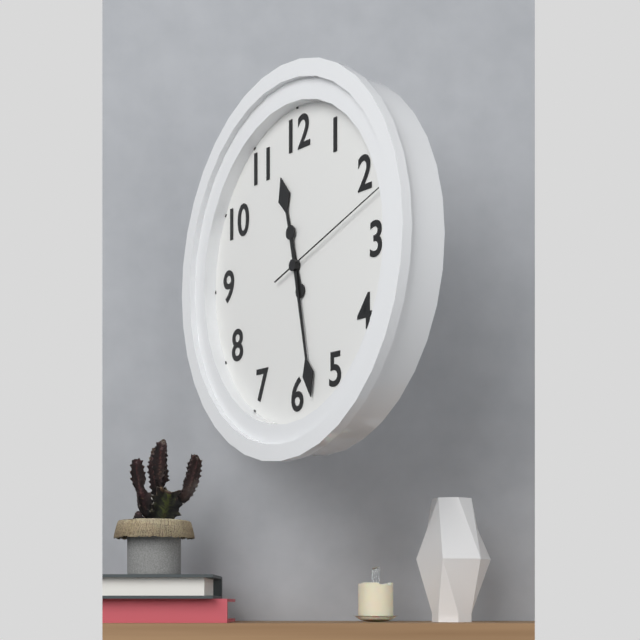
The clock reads 11h28m12s
